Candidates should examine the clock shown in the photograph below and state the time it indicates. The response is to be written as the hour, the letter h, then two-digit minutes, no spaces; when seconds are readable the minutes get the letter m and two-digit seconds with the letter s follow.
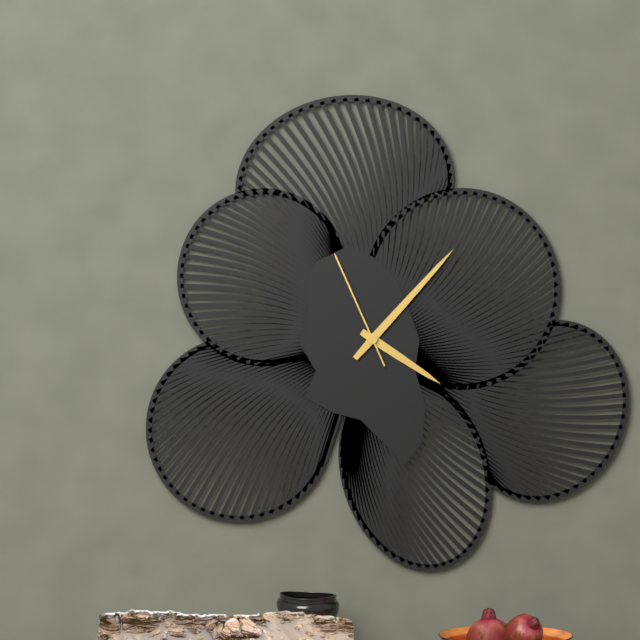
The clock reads 4h07m56s
